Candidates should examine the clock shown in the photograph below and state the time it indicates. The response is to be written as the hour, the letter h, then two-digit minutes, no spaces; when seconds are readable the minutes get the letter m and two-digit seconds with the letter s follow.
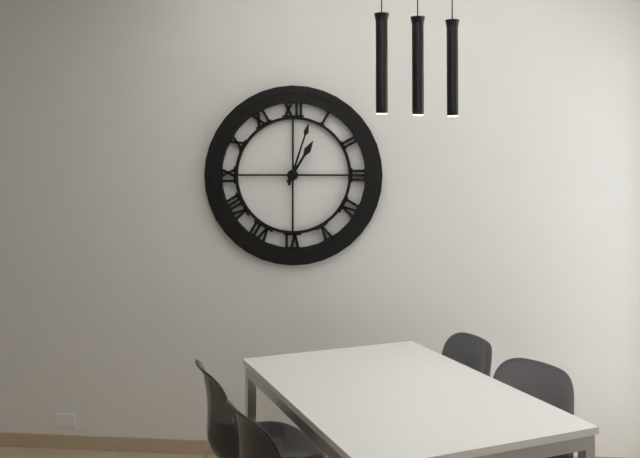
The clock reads 1h03
